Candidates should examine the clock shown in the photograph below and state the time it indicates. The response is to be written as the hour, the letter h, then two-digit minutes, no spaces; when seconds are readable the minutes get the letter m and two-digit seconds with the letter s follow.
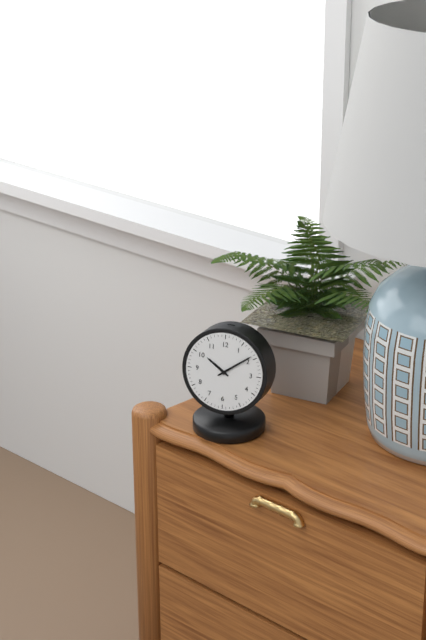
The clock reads 10h09
